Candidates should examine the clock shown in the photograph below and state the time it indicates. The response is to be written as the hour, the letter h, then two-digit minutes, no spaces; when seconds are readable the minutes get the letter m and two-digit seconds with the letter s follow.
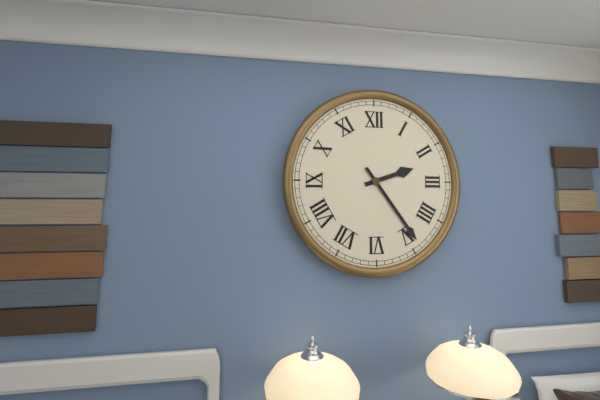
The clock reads 2h24
